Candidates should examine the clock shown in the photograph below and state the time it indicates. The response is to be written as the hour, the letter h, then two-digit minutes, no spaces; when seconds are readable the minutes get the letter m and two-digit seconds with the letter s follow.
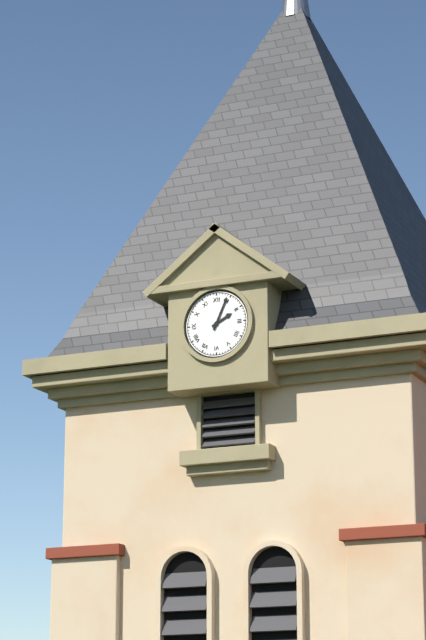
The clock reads 2h04
